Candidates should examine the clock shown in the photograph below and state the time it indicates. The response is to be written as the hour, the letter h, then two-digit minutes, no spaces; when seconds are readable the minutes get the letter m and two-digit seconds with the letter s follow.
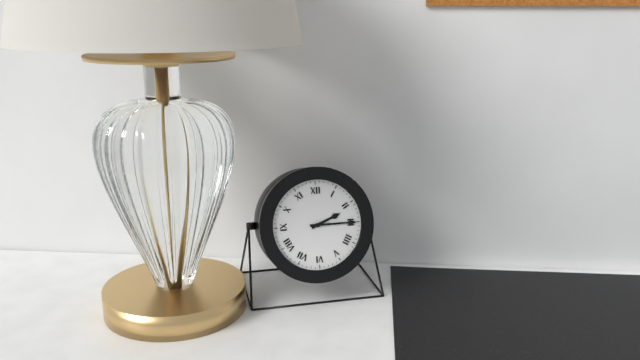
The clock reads 2h15
